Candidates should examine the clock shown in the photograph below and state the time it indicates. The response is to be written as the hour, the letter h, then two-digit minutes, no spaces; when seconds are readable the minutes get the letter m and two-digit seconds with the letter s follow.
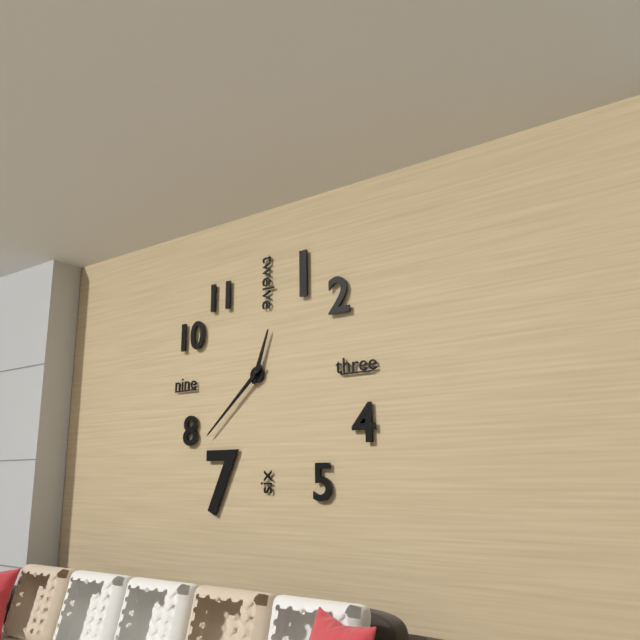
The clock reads 12h38
